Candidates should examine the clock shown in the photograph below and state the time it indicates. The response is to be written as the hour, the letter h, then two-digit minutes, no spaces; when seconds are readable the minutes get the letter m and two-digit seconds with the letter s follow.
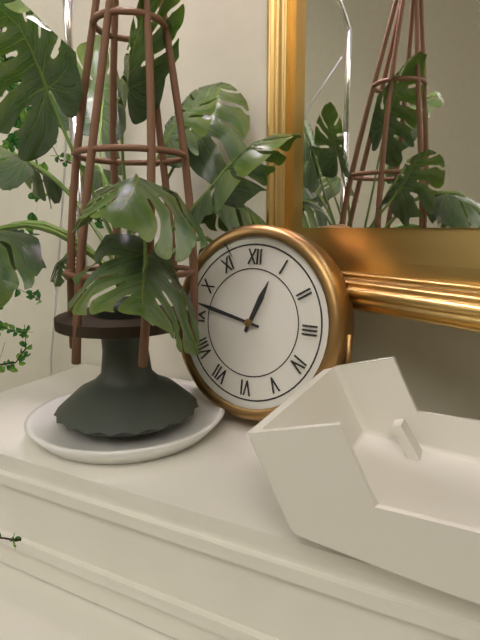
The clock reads 12h47
